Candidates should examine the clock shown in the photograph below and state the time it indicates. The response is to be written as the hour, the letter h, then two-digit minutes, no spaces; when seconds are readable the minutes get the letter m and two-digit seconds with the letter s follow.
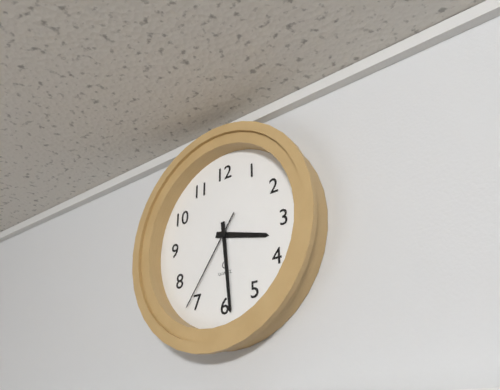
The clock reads 3h29m36s
